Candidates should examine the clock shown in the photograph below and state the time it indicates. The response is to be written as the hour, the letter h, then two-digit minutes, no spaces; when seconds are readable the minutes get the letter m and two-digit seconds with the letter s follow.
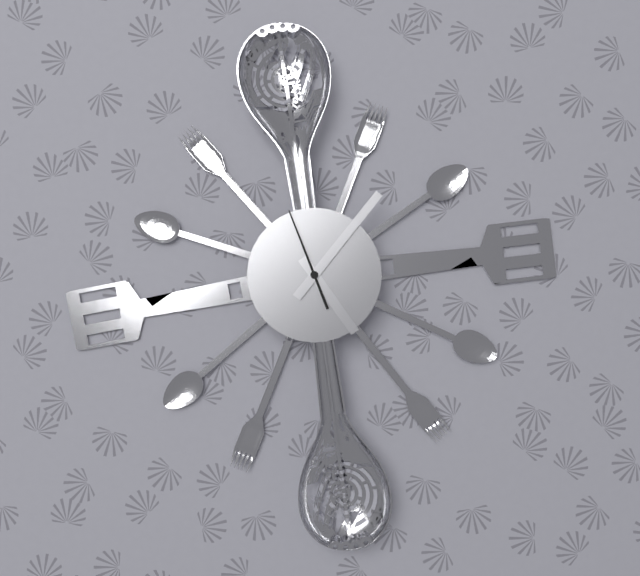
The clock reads 5h08m58s
